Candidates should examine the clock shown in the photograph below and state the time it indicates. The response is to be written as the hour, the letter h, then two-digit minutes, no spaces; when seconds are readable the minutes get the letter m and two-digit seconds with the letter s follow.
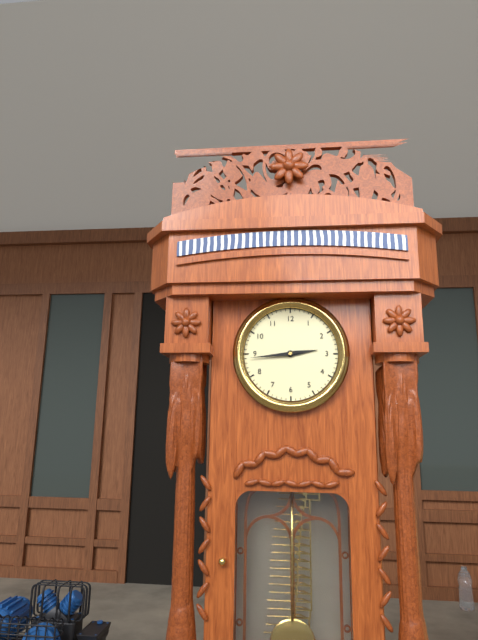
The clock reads 2h44
